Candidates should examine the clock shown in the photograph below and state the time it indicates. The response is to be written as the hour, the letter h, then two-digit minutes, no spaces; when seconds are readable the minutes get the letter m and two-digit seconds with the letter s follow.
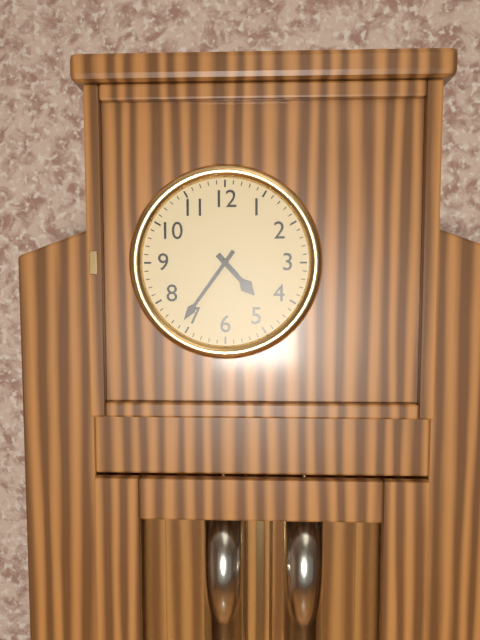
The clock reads 4h36
